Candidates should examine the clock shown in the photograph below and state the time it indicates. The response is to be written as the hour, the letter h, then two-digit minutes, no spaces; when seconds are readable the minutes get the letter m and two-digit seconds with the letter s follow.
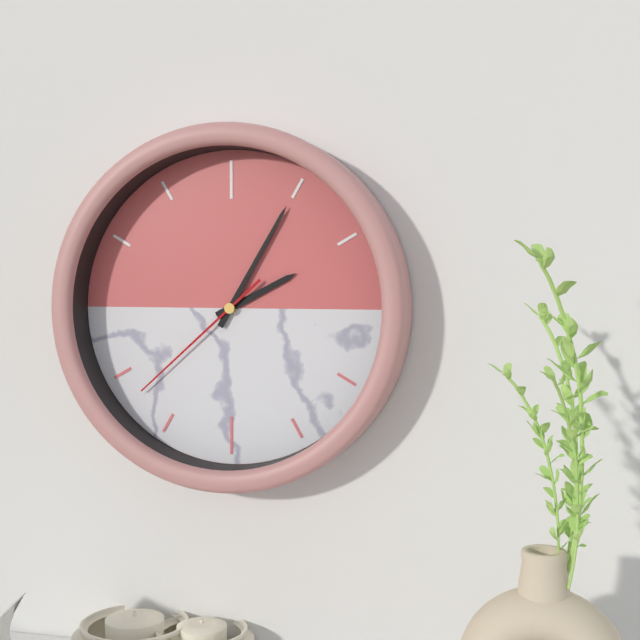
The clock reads 2h05m38s
